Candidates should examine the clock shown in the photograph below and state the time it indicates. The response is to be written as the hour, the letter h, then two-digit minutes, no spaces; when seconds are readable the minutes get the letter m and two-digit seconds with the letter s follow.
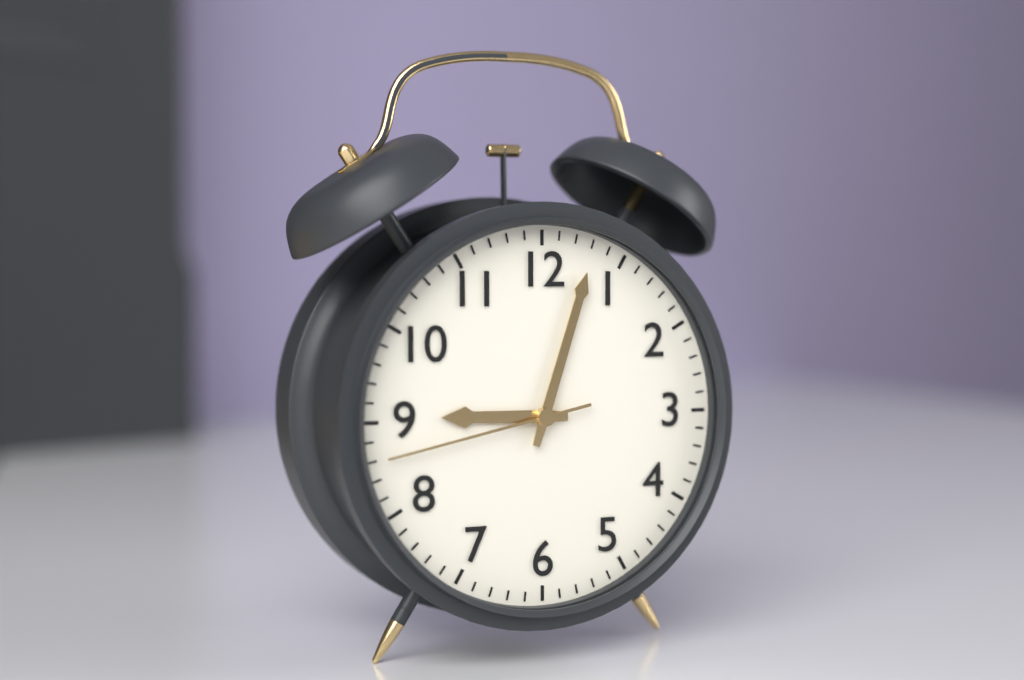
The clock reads 9h03m43s
